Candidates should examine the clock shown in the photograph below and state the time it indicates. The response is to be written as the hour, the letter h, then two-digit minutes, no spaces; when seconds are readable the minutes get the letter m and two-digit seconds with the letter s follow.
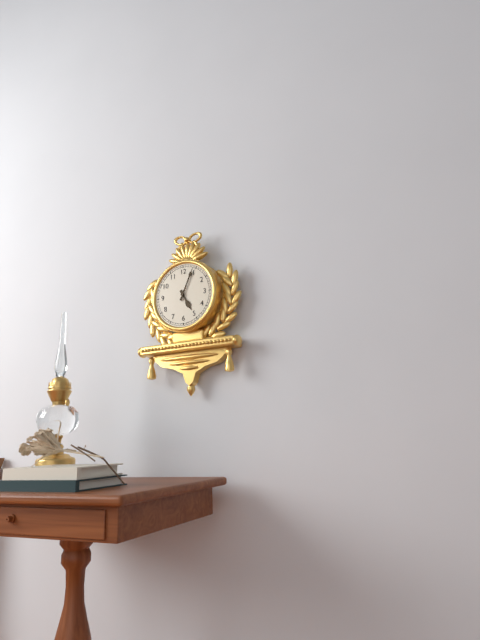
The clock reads 5h04
